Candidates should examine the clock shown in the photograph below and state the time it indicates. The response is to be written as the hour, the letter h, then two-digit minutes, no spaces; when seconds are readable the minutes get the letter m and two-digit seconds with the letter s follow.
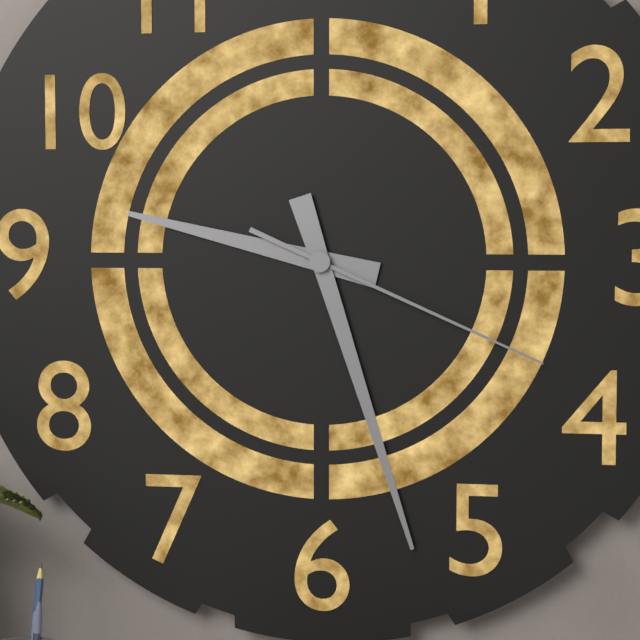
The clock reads 9h27m19s
